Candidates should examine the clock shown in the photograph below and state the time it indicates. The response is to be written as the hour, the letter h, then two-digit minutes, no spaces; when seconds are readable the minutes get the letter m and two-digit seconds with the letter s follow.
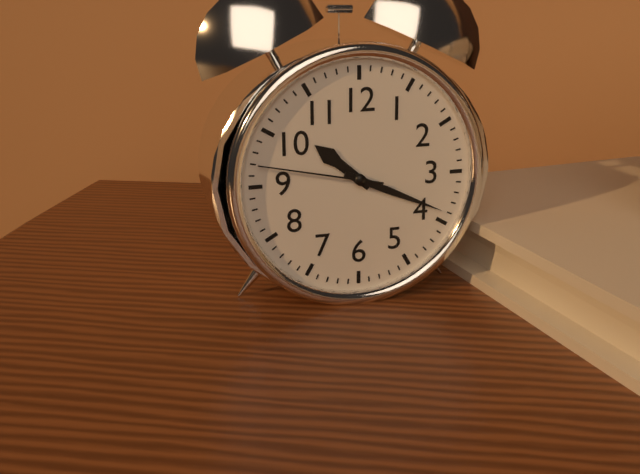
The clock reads 10h19m47s
